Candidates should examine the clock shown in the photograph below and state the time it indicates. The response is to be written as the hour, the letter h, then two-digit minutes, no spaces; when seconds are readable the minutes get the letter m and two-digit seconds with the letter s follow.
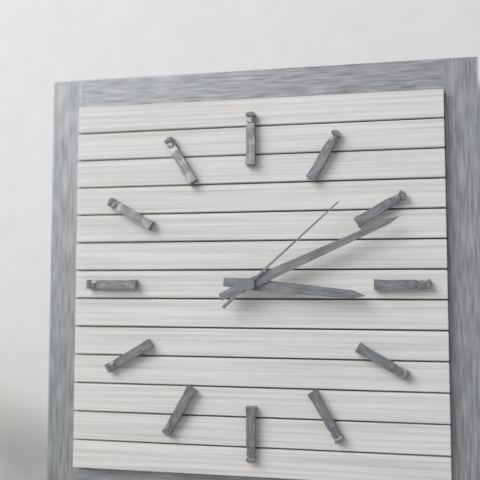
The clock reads 3h11m08s
